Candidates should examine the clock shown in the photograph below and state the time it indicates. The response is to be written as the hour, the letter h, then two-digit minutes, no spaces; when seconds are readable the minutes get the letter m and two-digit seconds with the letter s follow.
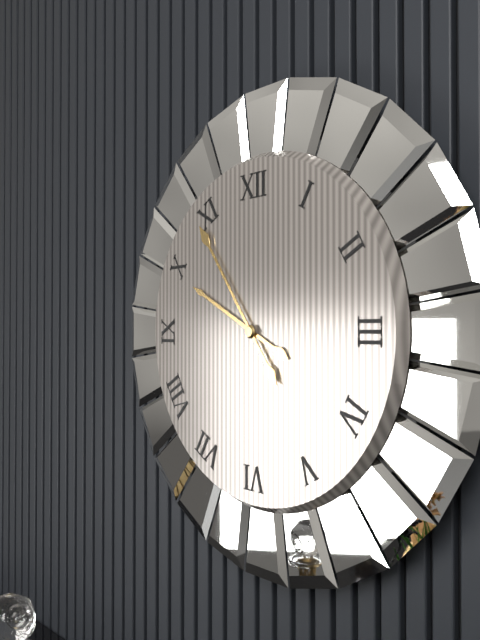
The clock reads 9h54
